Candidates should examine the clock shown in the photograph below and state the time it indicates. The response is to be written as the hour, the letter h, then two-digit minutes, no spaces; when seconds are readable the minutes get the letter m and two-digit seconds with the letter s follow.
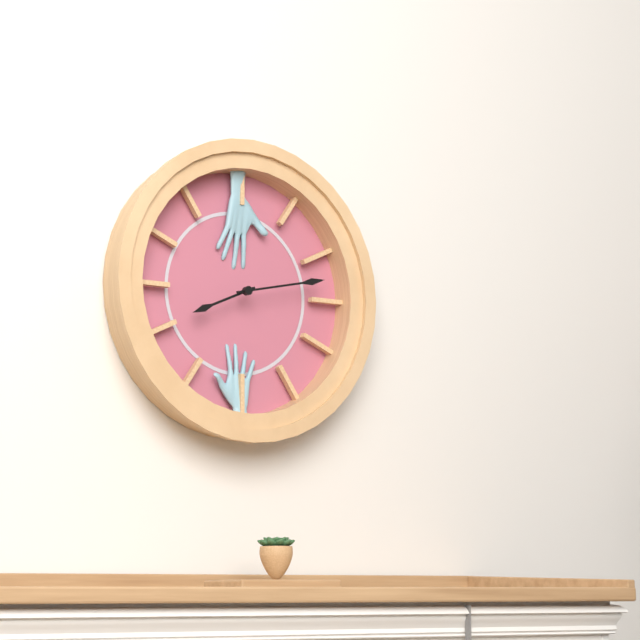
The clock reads 8h13
